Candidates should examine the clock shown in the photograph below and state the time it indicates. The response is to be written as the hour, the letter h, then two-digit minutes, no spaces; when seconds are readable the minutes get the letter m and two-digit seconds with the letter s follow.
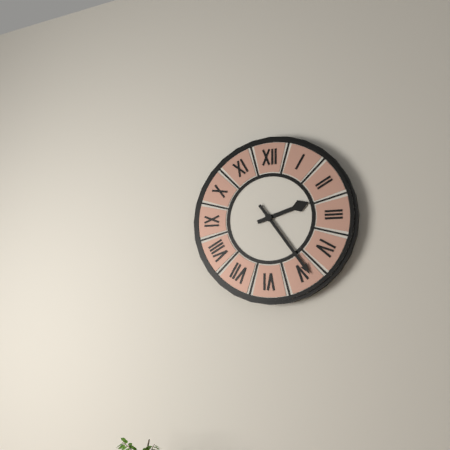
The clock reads 2h24
